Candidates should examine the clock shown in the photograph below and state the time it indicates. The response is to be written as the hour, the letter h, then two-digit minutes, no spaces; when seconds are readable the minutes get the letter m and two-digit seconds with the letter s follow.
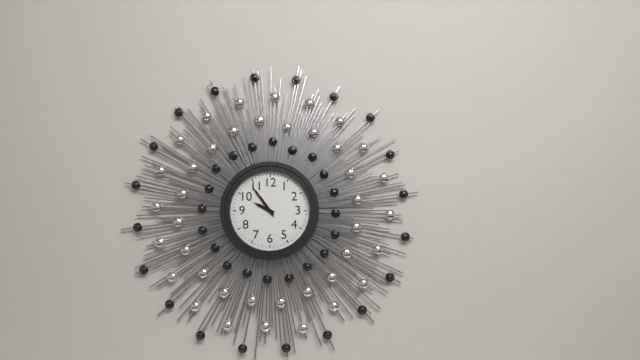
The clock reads 9h54
